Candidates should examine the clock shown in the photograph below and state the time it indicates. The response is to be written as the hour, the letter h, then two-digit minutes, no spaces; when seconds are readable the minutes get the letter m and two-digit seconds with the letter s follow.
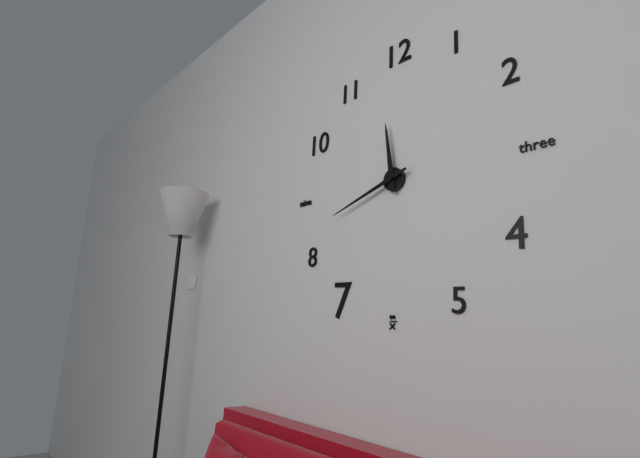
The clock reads 11h42
